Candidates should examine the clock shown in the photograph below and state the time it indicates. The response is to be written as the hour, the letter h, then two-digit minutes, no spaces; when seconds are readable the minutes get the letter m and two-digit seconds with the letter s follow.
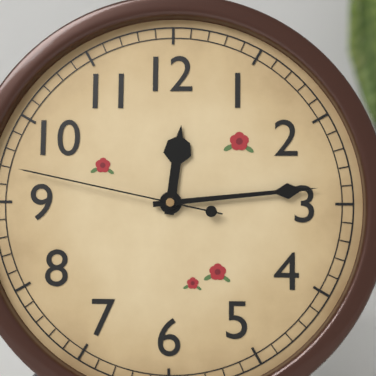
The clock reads 12h14m47s
